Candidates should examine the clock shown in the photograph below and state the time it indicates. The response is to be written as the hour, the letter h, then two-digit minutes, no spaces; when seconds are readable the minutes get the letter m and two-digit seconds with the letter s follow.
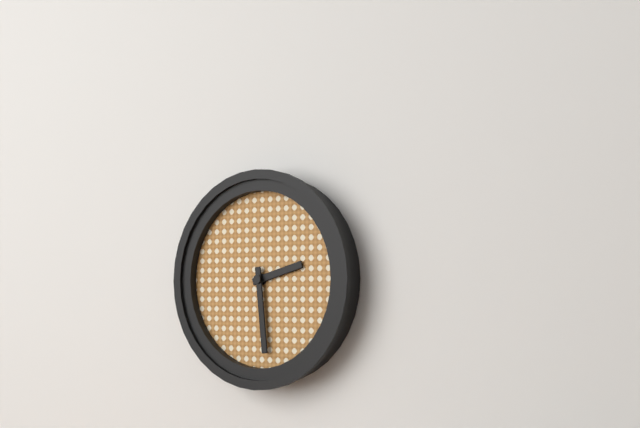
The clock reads 2h29
